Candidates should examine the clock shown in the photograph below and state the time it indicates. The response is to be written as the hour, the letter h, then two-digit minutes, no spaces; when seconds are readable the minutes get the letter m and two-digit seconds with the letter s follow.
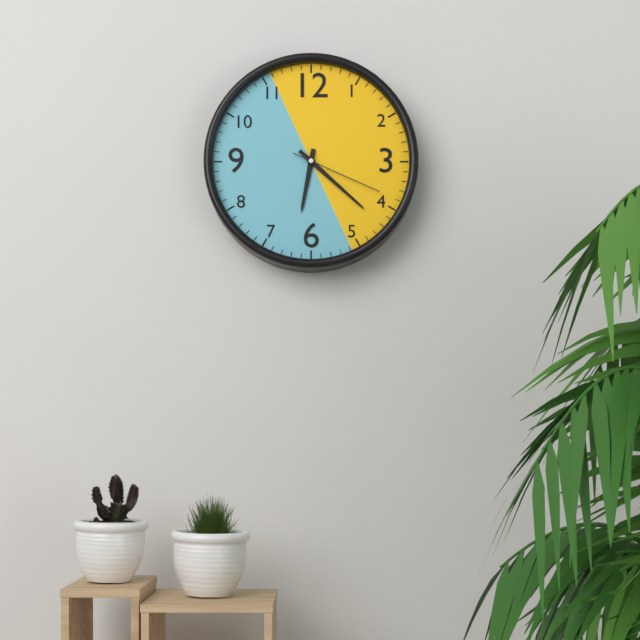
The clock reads 6h22m19s
